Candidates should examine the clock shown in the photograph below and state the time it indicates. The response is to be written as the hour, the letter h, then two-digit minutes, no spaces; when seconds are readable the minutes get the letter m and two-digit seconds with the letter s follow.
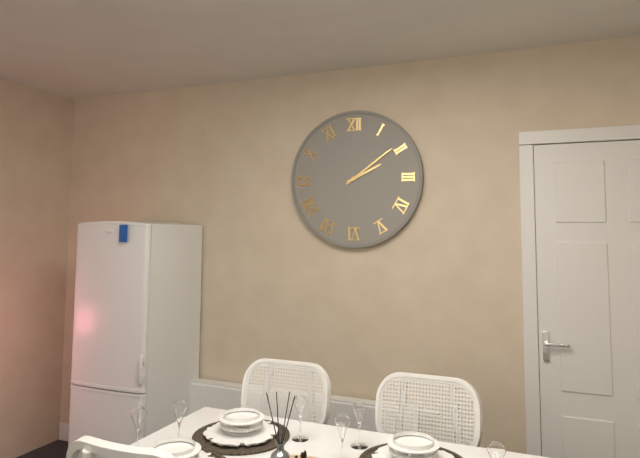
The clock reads 2h09
